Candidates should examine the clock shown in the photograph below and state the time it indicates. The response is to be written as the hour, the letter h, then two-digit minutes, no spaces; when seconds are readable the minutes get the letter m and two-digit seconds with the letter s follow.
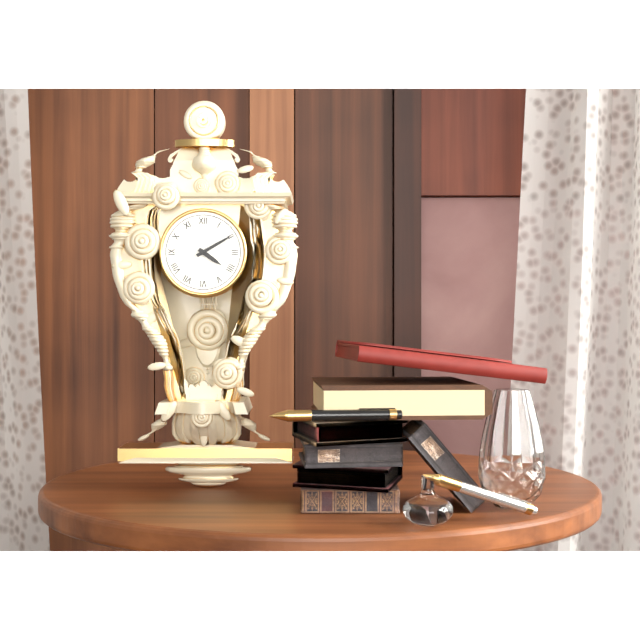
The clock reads 4h10
